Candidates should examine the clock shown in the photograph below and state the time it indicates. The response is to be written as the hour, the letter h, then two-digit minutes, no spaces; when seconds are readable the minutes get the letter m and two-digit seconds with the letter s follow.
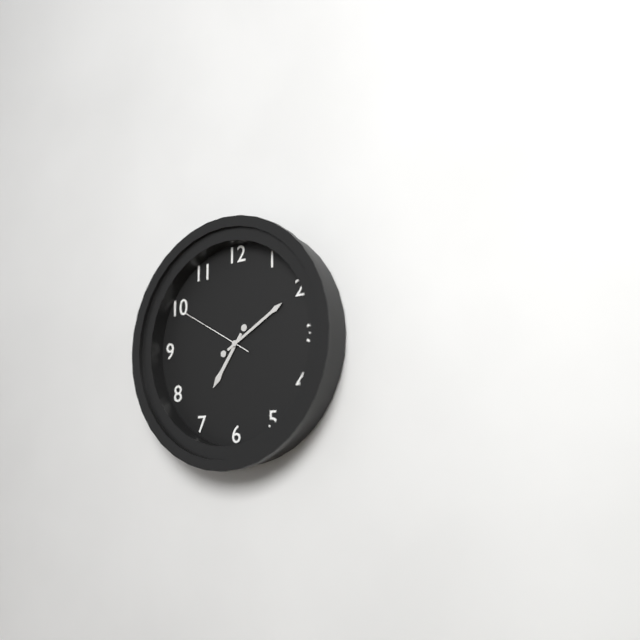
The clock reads 7h10m50s
